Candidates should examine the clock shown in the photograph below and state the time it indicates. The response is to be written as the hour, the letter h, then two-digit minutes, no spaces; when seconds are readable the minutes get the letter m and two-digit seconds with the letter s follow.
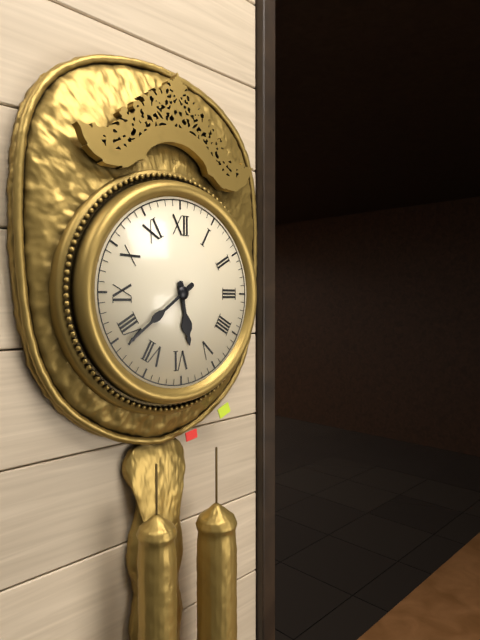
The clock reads 5h39
